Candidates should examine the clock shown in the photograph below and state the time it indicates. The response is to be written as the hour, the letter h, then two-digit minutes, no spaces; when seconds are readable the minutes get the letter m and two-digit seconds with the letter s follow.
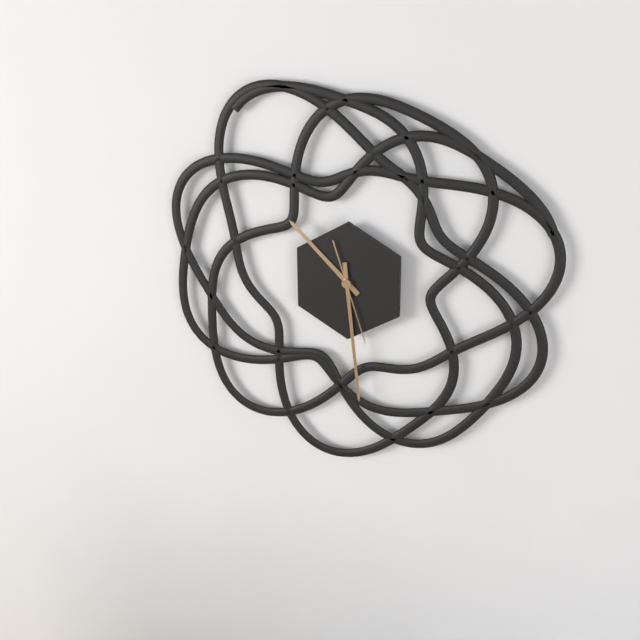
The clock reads 10h29m27s
